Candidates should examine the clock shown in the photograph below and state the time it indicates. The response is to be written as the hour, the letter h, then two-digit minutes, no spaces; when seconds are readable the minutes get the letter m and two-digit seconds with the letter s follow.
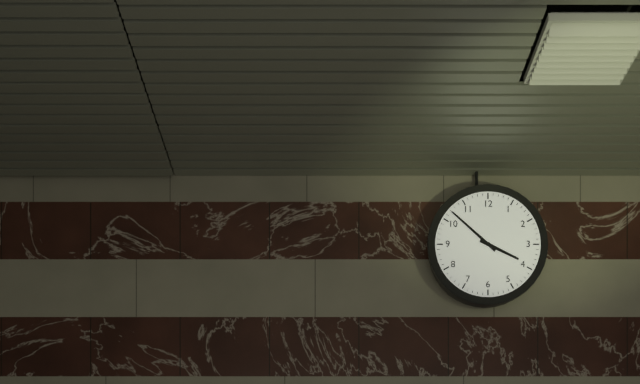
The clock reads 3h52
